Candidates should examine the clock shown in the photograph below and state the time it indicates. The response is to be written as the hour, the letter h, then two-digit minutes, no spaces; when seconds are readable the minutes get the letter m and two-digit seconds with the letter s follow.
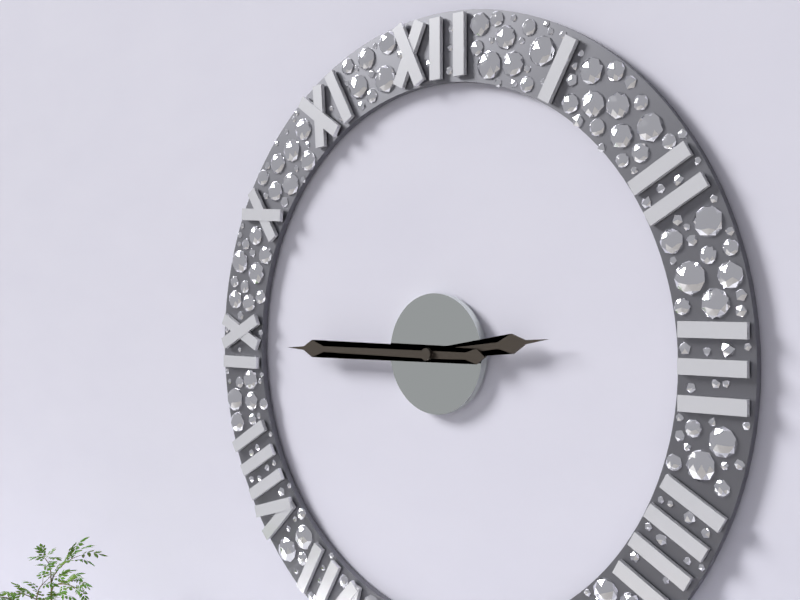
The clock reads 2h45
